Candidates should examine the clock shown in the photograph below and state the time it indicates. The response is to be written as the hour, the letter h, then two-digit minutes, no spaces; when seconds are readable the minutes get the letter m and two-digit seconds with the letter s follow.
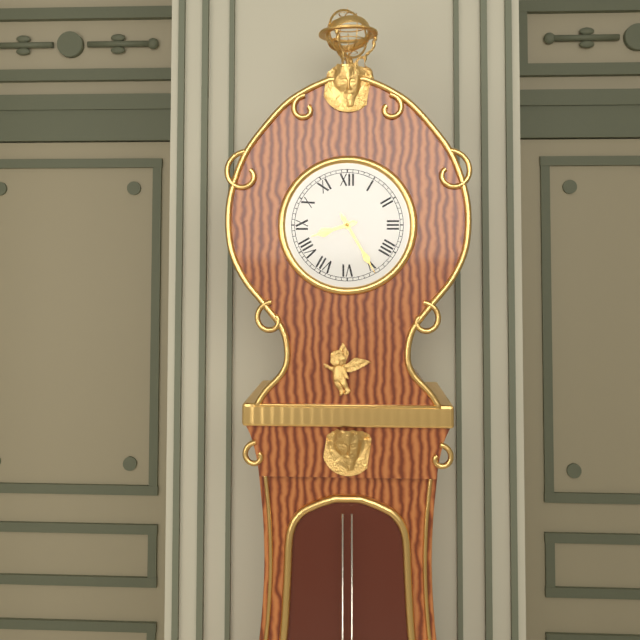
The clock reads 8h25
